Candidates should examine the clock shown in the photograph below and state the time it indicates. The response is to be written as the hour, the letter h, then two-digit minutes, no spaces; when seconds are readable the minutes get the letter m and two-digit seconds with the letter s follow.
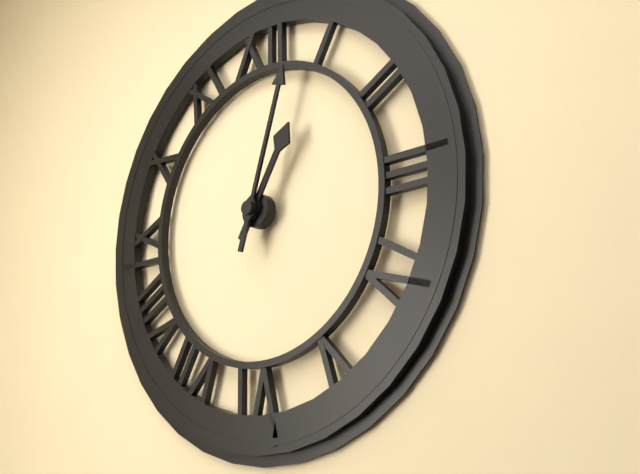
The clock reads 1h03
